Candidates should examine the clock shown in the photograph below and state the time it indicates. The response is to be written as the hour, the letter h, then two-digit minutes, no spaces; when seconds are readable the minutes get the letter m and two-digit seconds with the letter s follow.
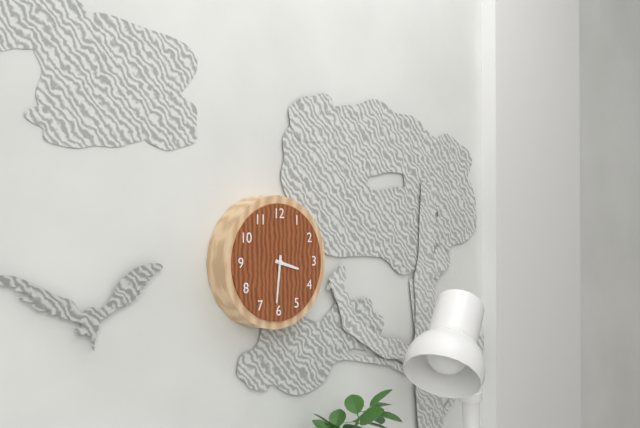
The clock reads 3h31
